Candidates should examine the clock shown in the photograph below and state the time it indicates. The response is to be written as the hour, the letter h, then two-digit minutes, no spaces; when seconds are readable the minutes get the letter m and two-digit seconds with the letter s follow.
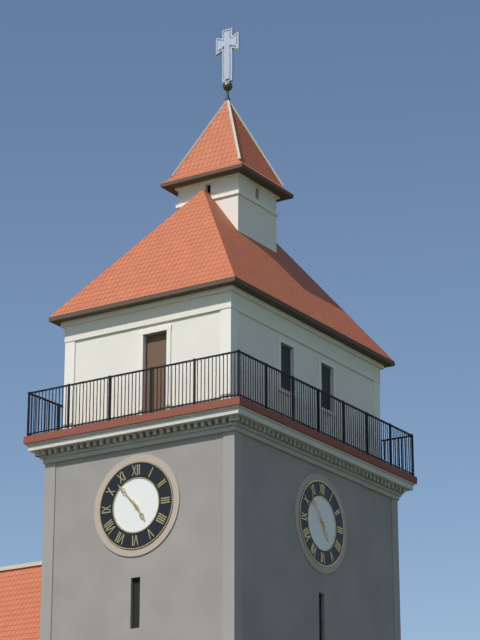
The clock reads 4h53
